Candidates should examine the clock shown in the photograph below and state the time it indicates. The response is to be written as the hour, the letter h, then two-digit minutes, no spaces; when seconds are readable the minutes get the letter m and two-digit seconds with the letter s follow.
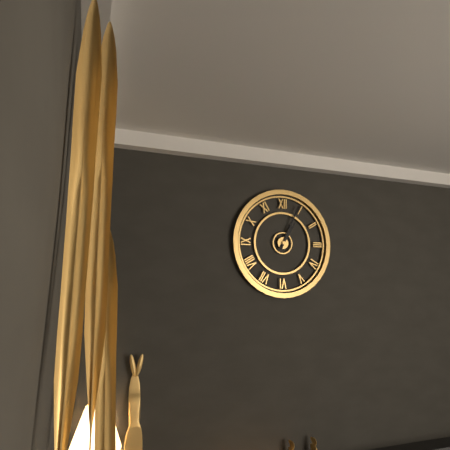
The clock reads 1h04
